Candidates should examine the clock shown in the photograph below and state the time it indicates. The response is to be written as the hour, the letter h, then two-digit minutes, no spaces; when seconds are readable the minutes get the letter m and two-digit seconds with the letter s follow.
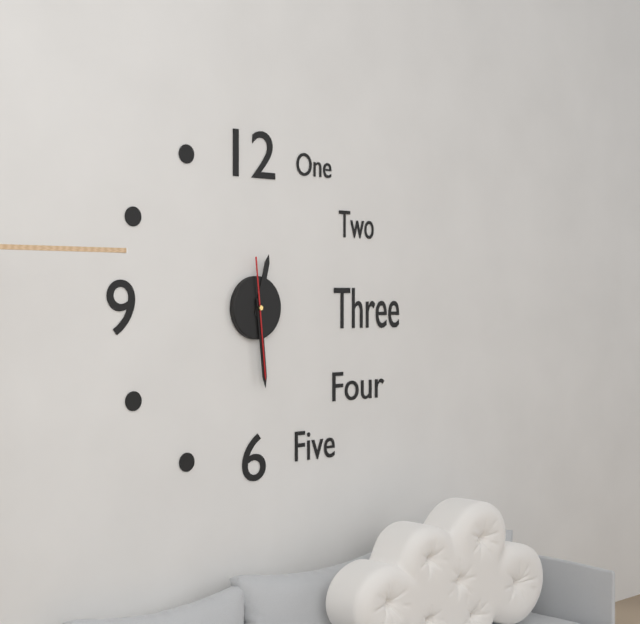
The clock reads 12h29m29s
